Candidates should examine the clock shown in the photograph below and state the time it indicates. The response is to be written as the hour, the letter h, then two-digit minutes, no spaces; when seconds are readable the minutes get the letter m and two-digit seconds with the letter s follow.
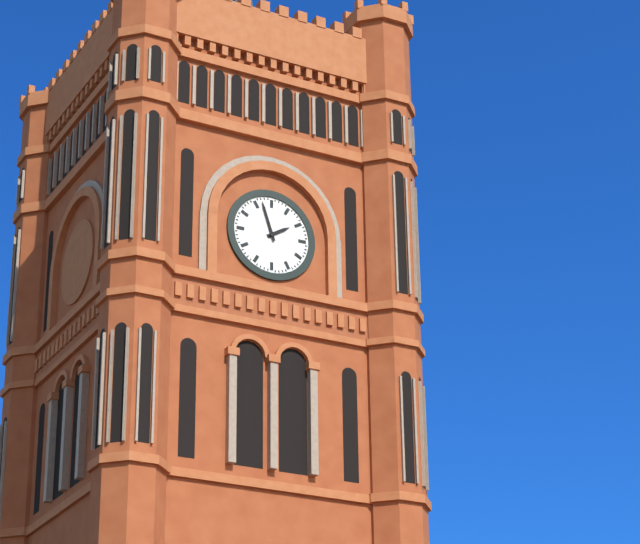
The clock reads 1h57
